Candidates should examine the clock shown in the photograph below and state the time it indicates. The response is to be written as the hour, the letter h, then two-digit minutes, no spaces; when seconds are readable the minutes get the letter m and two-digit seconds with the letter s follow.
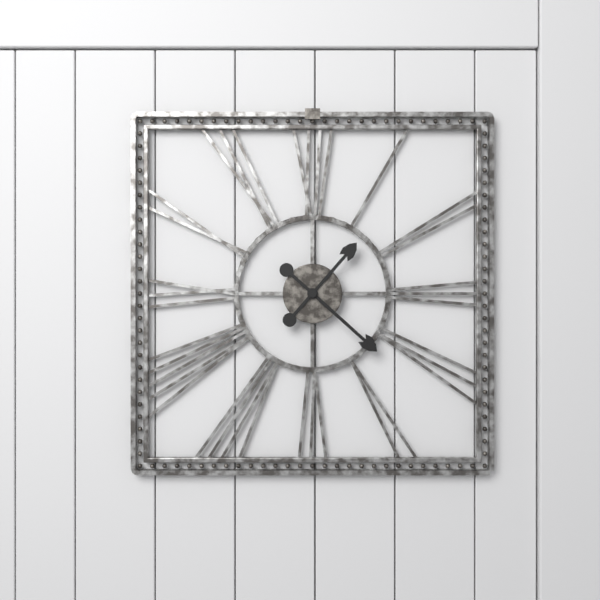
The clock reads 1h22
